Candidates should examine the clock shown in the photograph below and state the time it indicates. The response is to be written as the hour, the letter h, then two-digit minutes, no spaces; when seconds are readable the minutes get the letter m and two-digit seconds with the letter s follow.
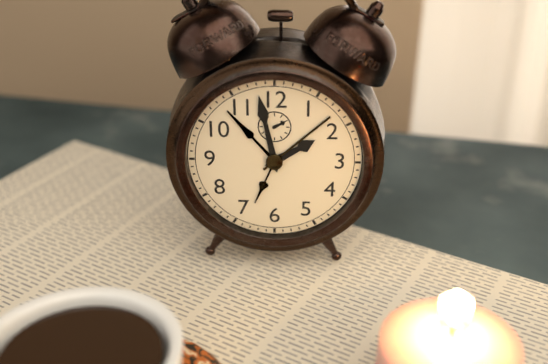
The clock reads 1h58
